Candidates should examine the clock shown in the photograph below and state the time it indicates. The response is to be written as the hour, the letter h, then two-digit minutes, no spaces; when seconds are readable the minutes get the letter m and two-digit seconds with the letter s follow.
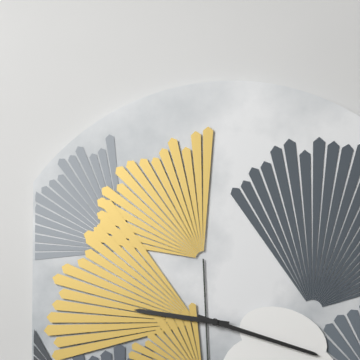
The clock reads 9h18
